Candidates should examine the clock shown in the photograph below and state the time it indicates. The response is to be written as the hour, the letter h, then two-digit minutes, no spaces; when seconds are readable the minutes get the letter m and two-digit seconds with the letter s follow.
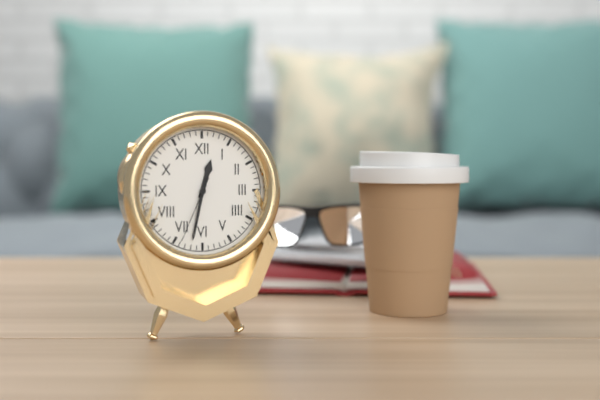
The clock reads 12h32m34s
